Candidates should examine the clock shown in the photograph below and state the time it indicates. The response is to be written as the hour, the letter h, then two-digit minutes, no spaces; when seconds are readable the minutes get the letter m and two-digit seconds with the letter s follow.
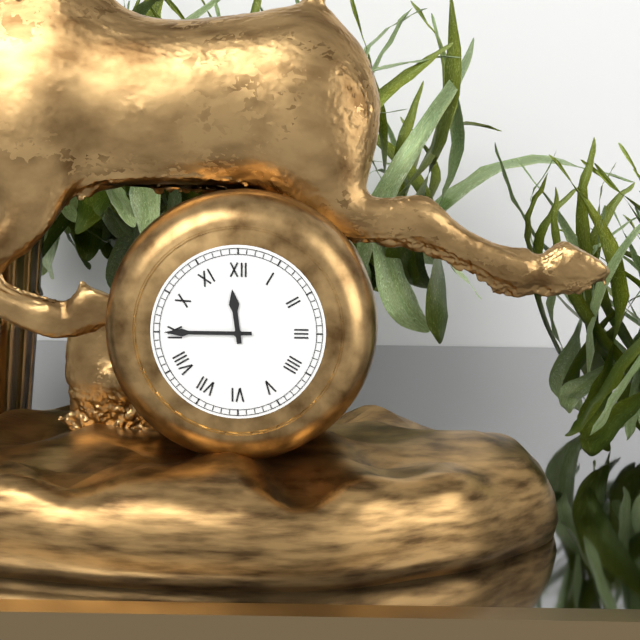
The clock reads 11h45
